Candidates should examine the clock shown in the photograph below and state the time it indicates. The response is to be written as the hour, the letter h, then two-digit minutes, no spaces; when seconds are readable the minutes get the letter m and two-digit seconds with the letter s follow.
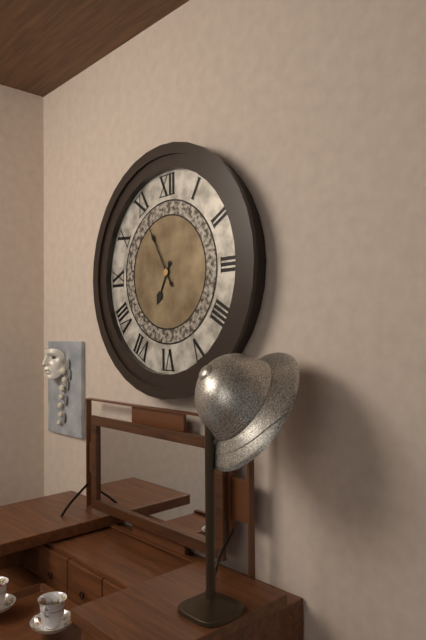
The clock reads 6h55
